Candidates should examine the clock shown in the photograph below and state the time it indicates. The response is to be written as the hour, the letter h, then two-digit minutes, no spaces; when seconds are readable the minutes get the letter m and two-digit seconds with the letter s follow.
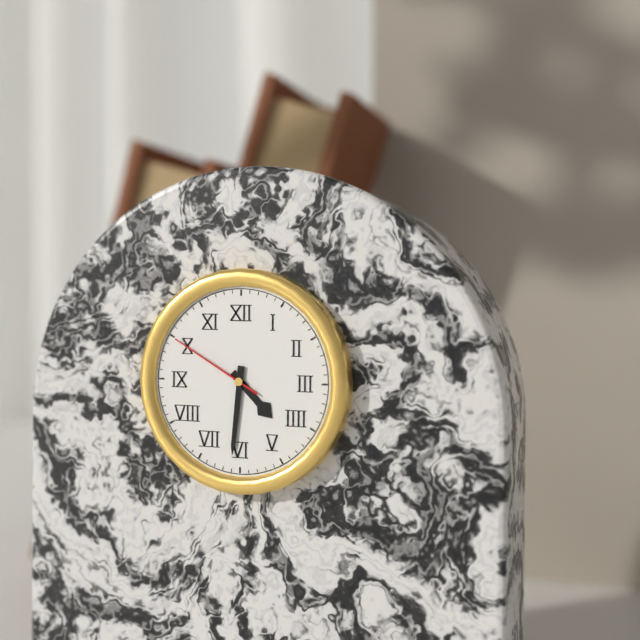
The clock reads 4h31m50s
